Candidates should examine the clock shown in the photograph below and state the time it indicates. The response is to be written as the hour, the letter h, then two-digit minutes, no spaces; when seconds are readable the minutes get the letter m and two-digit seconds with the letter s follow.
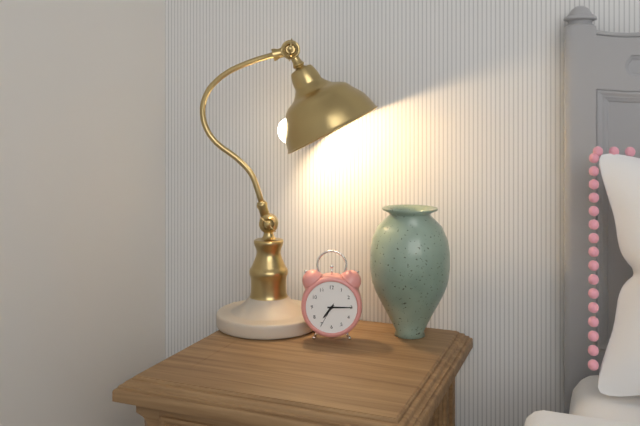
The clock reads 7h15
